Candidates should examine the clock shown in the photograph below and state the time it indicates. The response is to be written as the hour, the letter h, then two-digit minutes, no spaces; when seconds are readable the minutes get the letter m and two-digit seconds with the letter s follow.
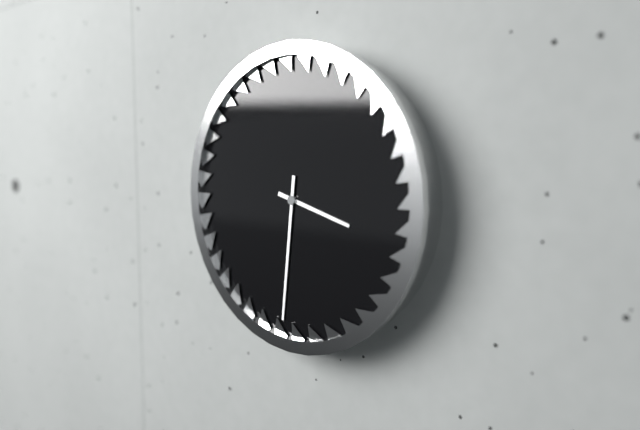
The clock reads 3h31
